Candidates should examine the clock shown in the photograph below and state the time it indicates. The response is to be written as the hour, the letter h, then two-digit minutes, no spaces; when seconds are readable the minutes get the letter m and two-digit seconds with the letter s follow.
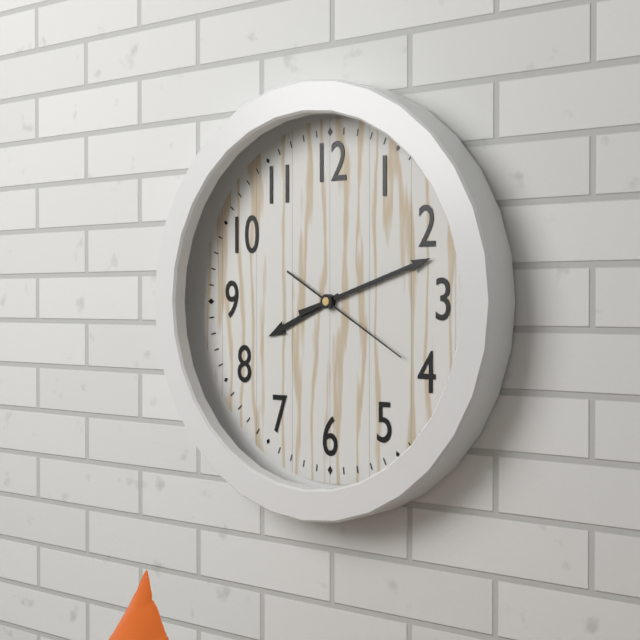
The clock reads 8h12m20s
